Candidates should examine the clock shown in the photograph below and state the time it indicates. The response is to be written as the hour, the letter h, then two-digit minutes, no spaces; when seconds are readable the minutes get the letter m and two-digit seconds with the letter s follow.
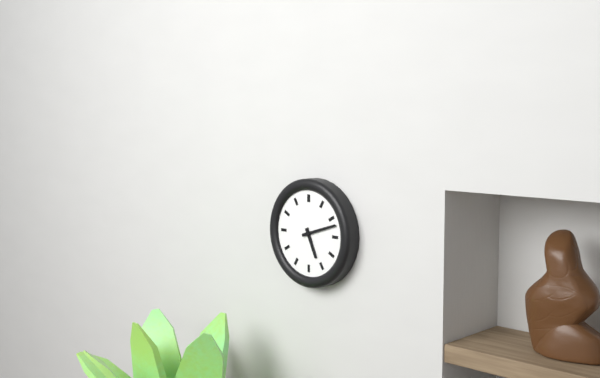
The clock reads 5h12
